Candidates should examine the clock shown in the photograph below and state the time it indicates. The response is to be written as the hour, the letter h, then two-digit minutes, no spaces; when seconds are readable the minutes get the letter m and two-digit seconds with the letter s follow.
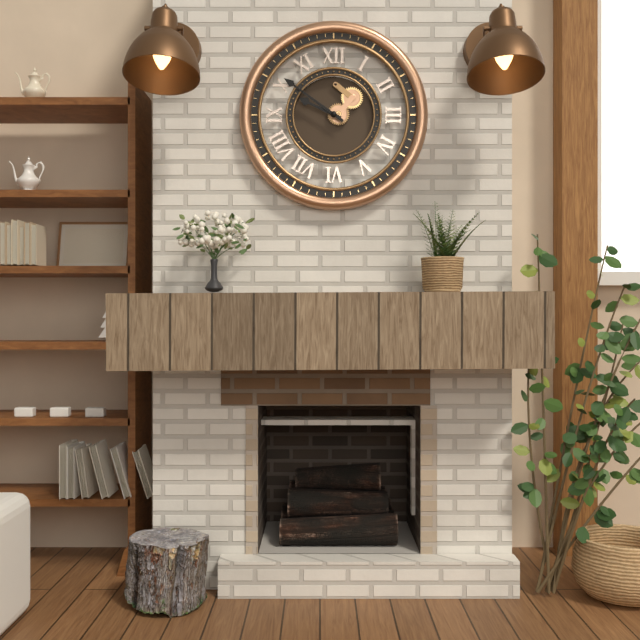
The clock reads 9h51
